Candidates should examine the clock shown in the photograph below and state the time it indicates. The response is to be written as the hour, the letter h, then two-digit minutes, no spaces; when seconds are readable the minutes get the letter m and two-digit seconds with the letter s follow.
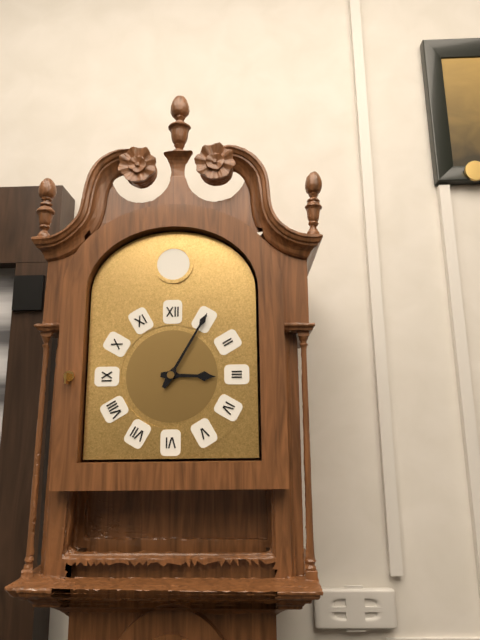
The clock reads 3h05
